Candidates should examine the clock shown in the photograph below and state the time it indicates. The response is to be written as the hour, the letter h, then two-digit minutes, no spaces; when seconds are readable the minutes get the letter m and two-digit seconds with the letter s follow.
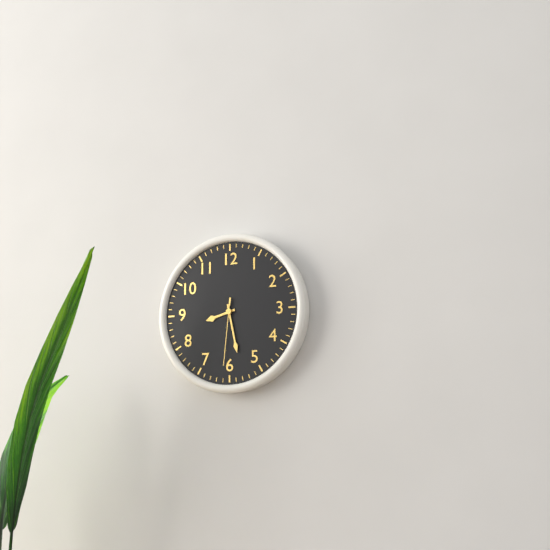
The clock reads 8h28m31s
